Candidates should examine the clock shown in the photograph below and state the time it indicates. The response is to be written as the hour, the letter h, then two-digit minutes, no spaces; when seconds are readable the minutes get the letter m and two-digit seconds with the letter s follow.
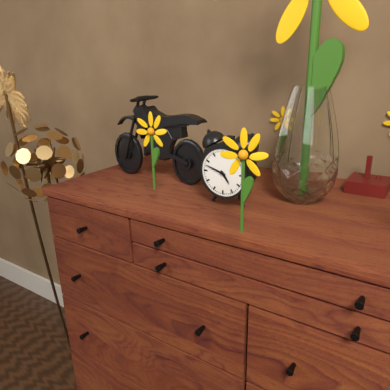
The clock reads 4h48
